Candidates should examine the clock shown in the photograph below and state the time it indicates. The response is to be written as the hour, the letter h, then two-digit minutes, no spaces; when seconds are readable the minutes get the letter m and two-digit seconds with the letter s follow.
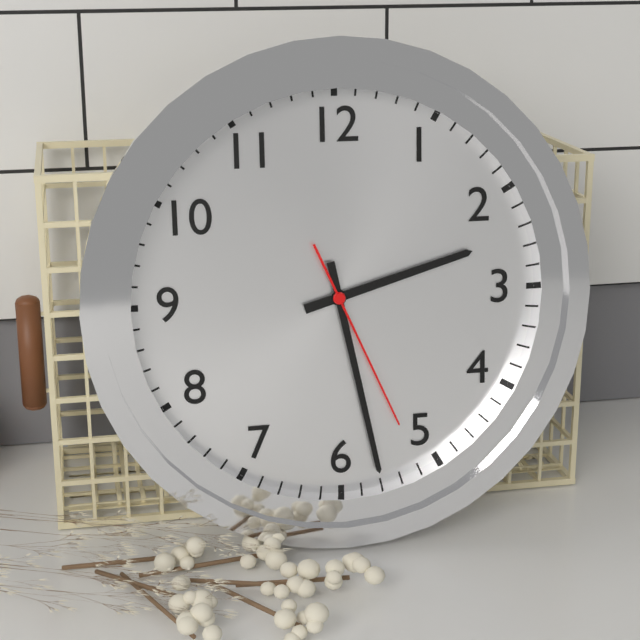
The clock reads 2h28m26s
